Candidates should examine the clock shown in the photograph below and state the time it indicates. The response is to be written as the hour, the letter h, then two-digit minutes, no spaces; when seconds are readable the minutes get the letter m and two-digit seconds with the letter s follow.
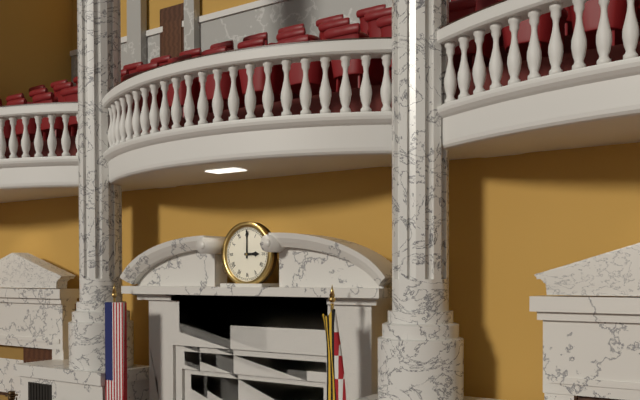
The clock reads 3h00
